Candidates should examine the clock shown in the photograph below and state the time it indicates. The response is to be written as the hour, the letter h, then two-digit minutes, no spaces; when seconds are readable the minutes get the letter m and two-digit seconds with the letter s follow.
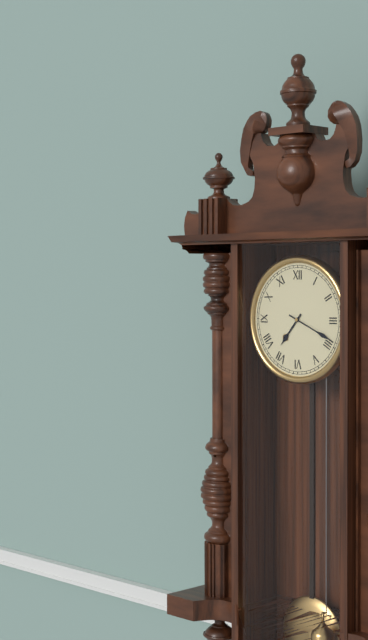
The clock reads 7h19
